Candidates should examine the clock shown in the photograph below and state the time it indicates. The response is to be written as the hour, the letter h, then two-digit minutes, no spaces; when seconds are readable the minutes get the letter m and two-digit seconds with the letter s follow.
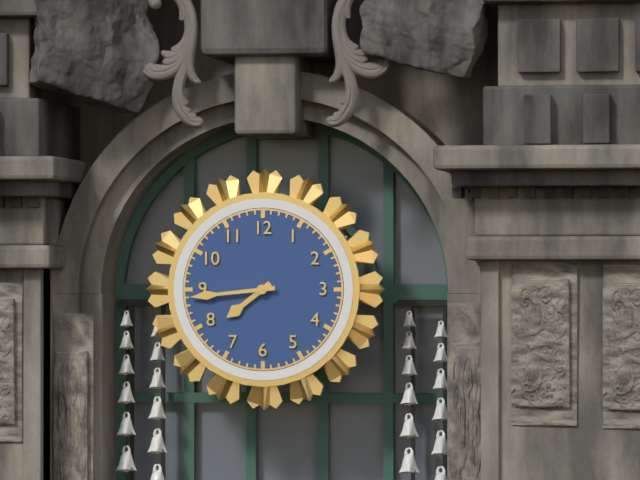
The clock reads 7h44
